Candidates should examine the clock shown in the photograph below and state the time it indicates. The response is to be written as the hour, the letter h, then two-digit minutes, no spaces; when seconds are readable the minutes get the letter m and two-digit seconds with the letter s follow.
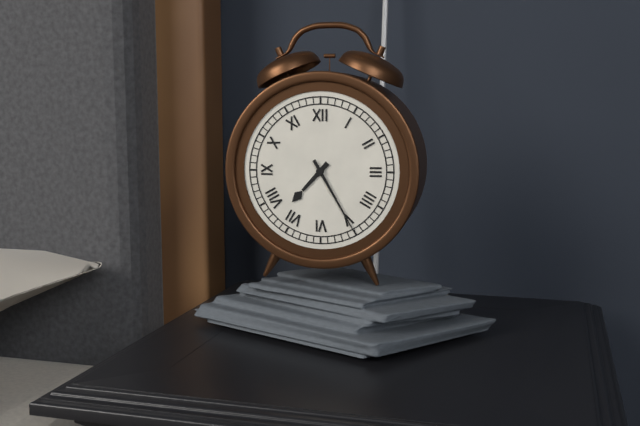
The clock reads 7h25
